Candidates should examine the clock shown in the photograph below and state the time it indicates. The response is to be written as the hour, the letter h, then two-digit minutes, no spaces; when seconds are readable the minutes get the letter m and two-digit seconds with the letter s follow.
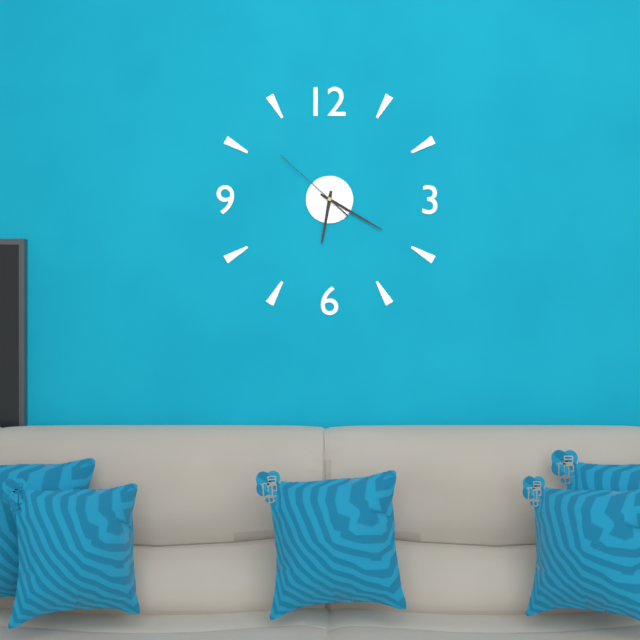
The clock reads 6h20m52s
